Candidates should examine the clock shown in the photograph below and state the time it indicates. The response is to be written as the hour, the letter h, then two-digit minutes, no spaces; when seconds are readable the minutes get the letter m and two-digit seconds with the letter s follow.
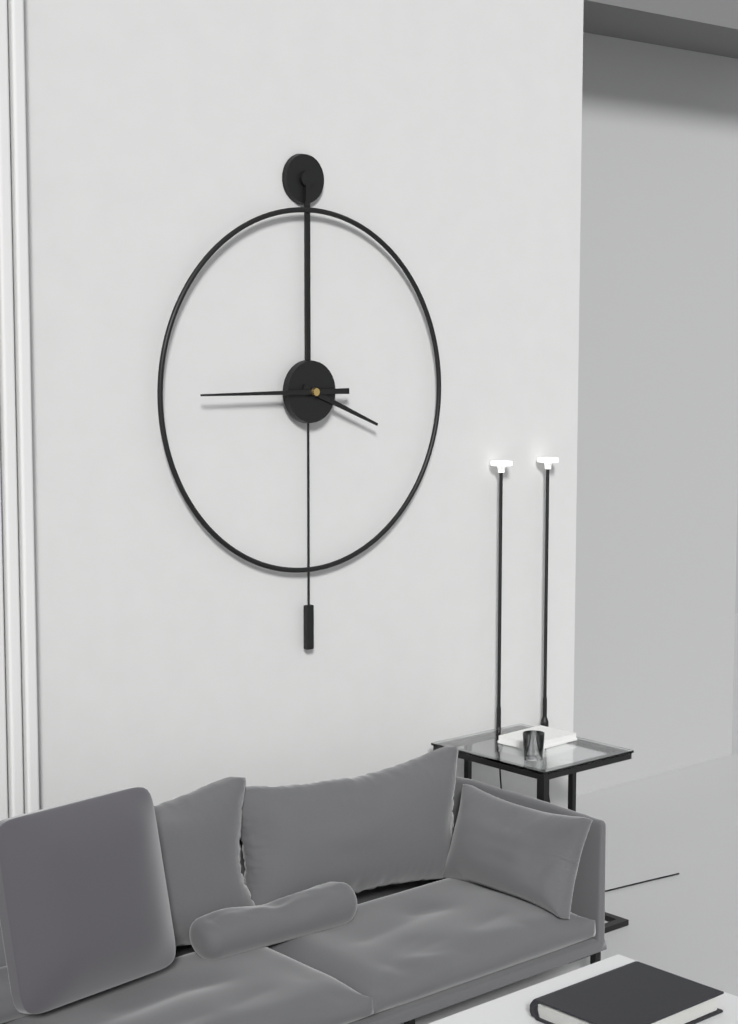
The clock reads 3h45
